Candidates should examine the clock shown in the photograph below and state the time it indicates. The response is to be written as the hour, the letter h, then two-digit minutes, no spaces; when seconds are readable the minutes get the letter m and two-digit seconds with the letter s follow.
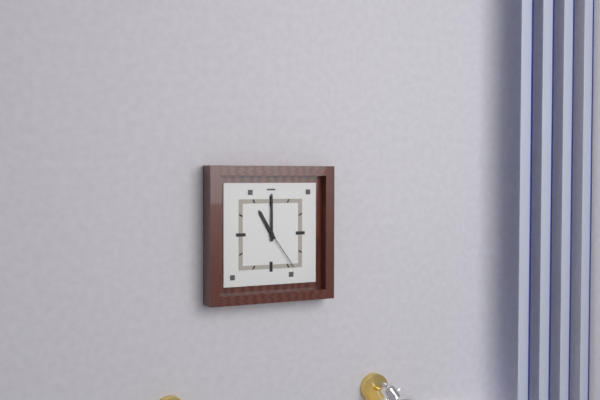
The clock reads 11h00m24s
